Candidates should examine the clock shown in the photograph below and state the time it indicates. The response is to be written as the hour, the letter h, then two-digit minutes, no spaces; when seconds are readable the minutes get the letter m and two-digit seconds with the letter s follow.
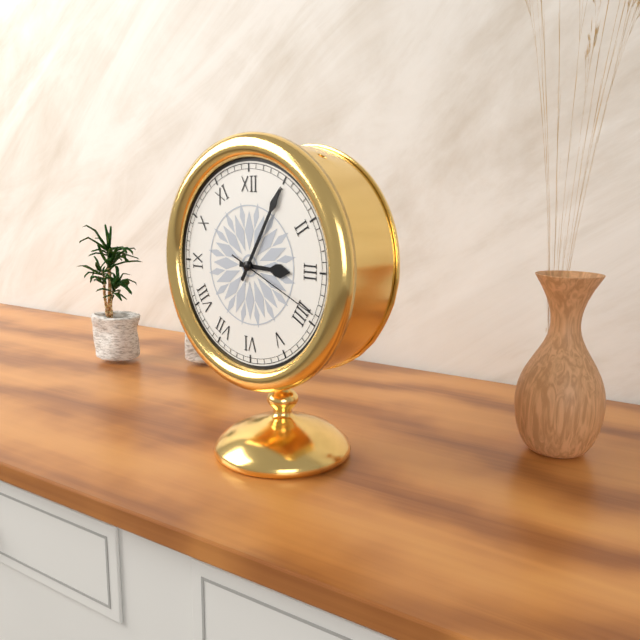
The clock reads 3h05m19s
